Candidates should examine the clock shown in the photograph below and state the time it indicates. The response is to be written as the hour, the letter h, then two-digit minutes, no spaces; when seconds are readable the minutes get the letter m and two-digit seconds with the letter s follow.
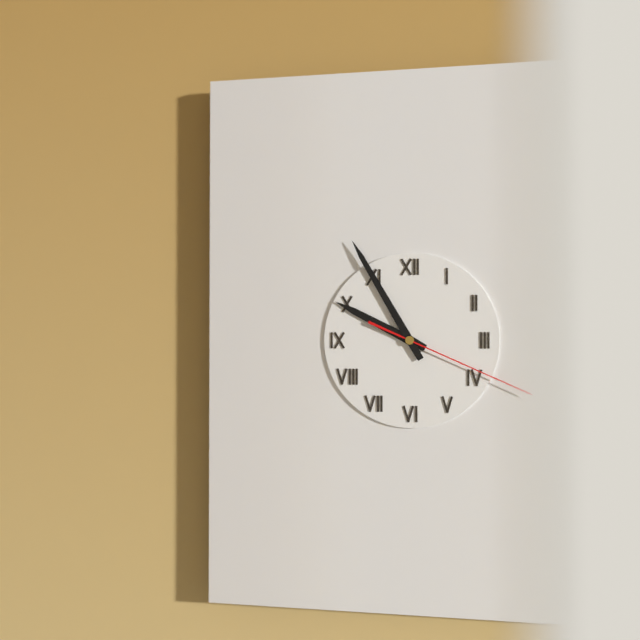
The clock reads 9h55m19s
